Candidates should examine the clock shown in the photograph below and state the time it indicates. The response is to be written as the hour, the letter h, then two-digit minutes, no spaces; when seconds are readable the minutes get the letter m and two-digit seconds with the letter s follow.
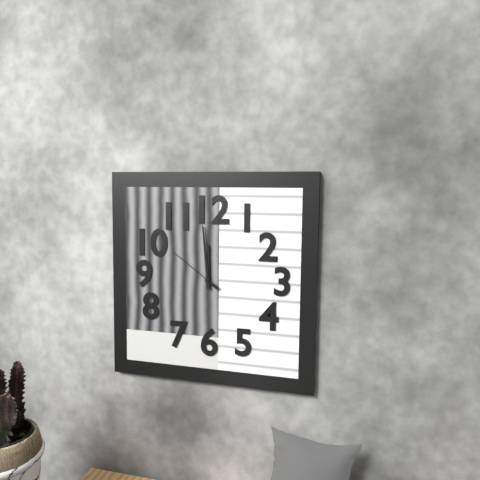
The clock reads 11h59m51s
